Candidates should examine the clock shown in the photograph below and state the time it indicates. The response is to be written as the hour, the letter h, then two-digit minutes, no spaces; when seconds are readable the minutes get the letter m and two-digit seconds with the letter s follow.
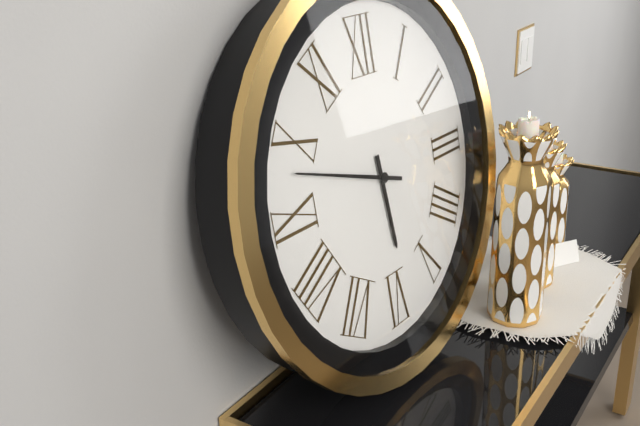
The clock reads 5h48
